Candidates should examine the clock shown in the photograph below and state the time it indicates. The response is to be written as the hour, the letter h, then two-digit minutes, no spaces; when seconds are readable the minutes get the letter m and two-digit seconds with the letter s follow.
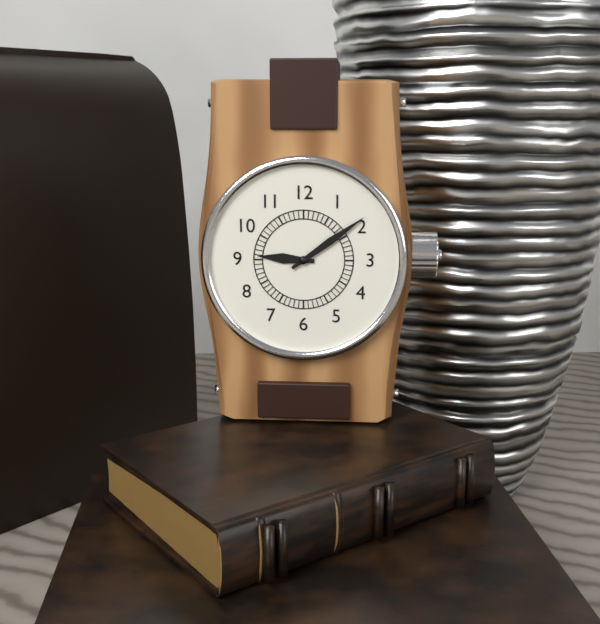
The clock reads 9h09
